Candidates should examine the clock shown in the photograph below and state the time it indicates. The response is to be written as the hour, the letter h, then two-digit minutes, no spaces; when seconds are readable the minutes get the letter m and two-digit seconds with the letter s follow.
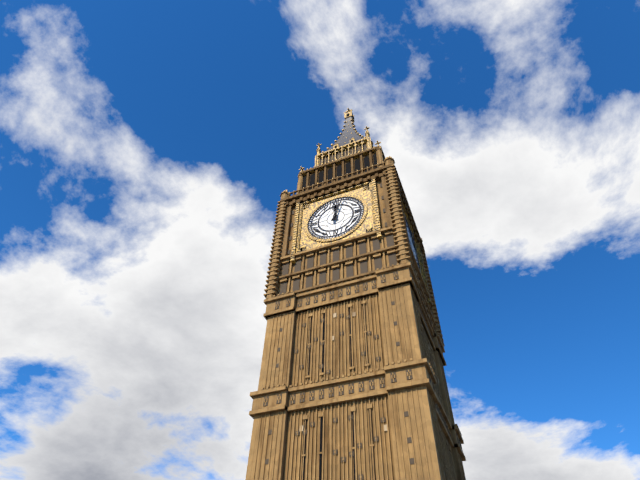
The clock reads 12h03
